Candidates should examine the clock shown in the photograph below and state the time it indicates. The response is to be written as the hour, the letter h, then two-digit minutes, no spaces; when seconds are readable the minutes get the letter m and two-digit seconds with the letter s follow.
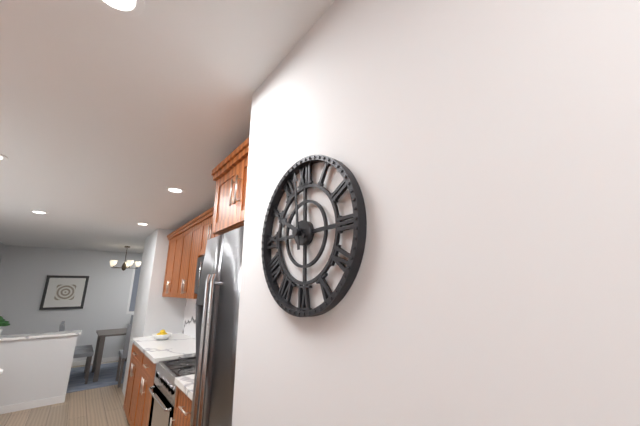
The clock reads 9h59
